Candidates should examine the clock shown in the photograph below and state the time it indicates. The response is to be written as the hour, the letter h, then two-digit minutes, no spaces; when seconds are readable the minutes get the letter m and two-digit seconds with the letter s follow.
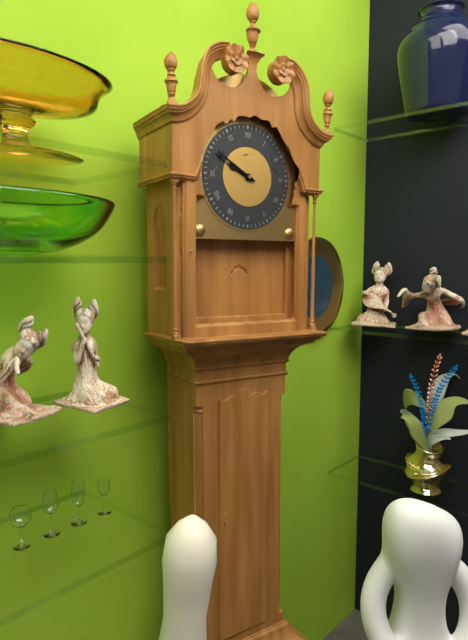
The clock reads 9h50
